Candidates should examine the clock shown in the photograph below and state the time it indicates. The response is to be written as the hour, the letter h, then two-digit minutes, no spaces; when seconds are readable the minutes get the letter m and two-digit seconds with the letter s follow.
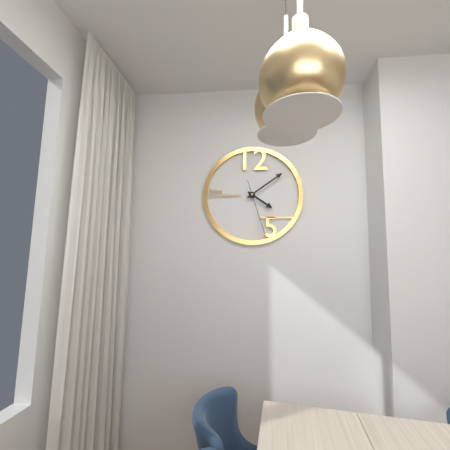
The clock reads 4h09m27s
